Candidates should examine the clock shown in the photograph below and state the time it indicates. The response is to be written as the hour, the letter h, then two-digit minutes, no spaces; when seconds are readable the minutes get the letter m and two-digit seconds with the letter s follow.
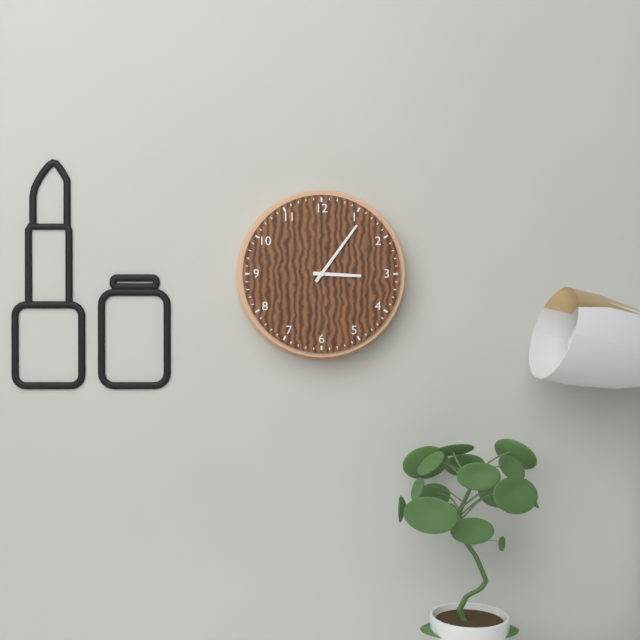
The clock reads 3h06
